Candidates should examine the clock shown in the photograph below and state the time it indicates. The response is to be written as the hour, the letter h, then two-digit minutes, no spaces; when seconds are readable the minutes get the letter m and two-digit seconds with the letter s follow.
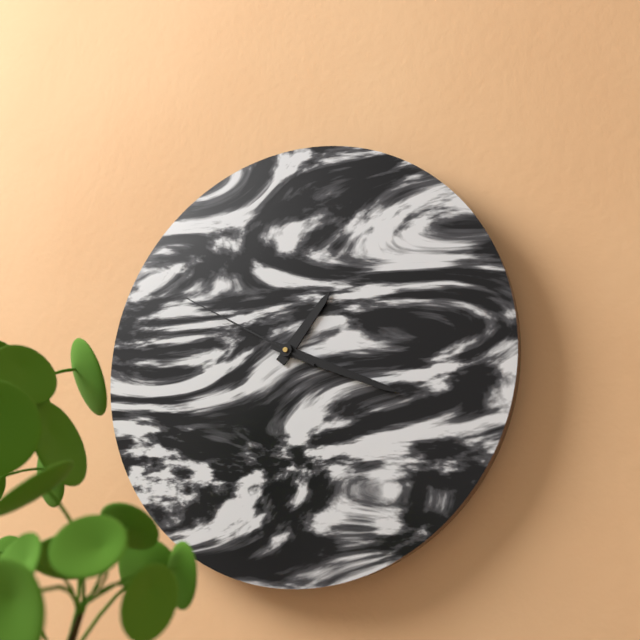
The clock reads 1h19m50s
